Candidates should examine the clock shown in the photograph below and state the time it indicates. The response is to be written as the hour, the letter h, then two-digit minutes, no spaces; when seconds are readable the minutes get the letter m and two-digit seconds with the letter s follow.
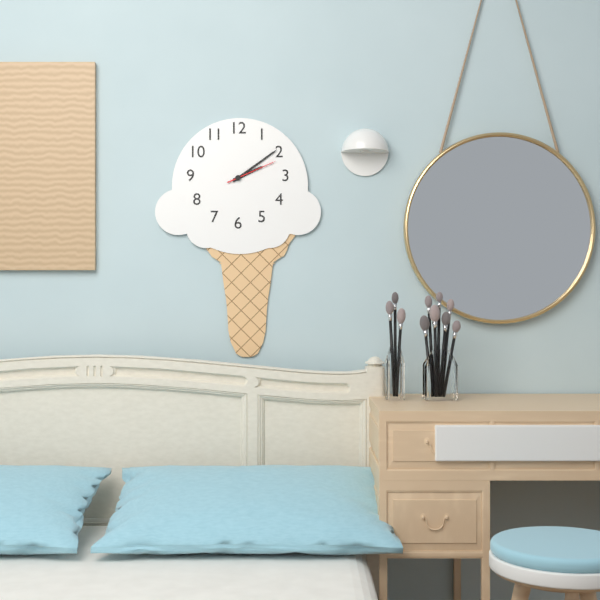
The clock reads 2h09m11s
